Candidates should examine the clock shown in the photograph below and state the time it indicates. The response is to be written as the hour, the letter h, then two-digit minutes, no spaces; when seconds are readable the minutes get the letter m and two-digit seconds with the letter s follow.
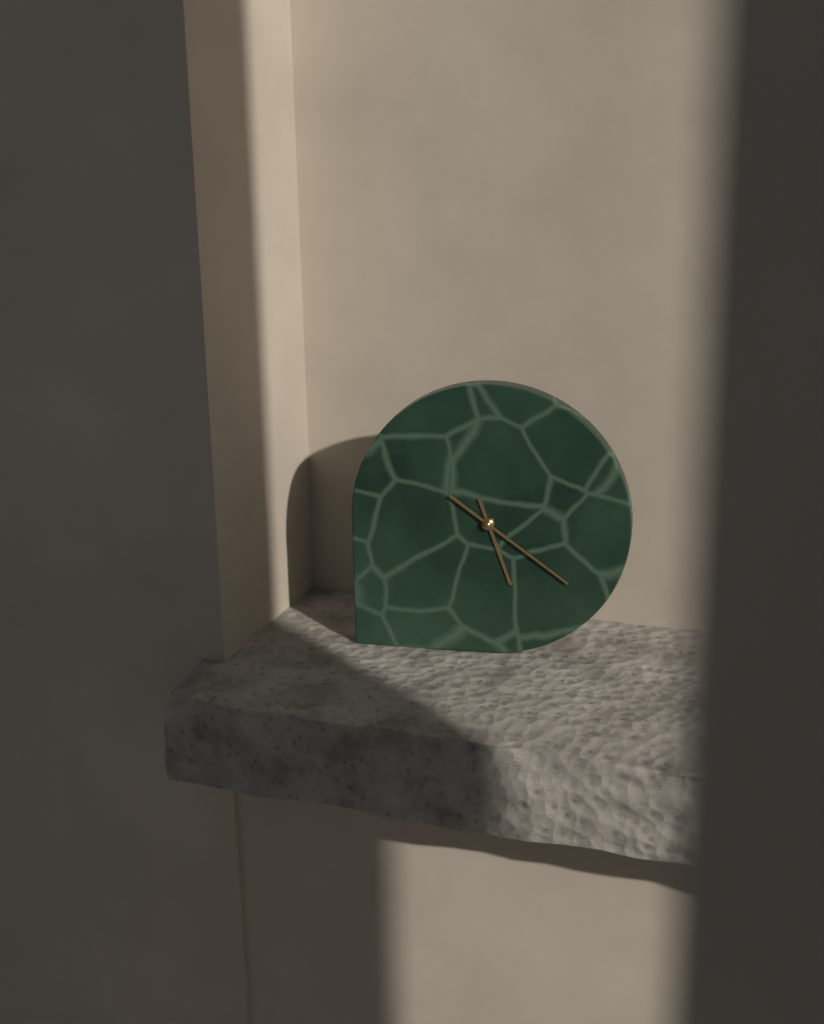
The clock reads 5h21
